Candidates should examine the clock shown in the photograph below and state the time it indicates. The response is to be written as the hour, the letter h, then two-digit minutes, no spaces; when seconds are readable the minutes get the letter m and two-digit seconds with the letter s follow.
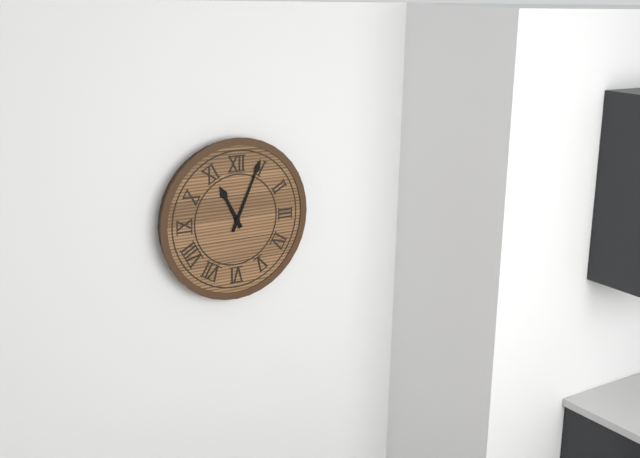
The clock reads 11h04
